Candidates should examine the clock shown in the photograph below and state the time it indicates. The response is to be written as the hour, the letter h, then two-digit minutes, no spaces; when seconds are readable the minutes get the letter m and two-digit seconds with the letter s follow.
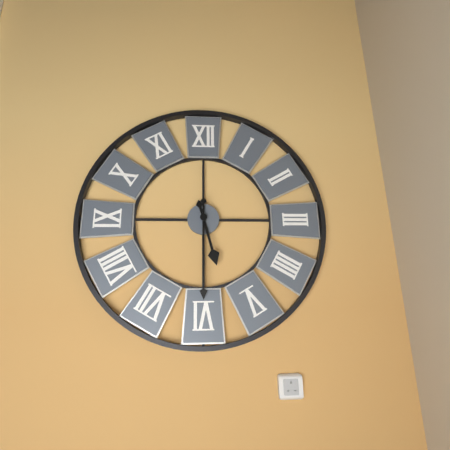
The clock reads 5h30
